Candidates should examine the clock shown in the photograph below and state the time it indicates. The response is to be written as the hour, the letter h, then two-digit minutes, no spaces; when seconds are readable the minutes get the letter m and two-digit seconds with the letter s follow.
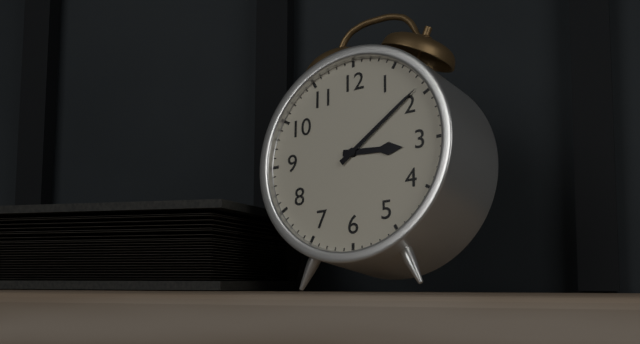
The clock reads 3h09
